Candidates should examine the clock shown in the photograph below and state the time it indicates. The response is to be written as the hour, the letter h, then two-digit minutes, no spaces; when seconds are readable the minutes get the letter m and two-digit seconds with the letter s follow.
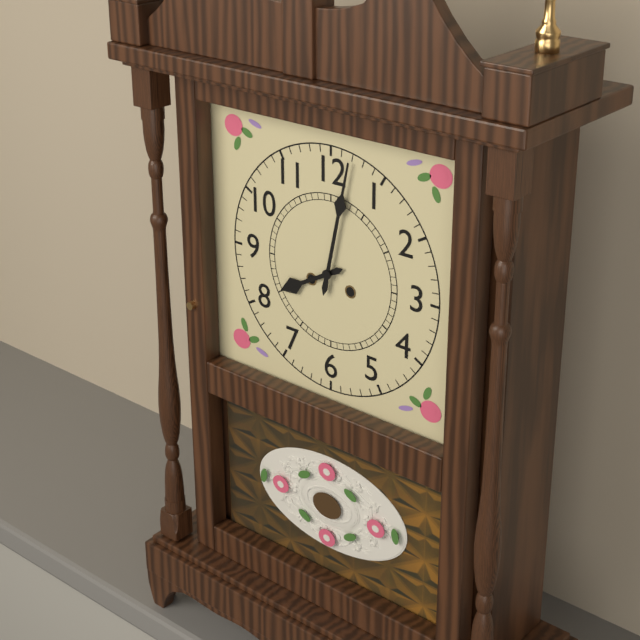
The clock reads 8h02
